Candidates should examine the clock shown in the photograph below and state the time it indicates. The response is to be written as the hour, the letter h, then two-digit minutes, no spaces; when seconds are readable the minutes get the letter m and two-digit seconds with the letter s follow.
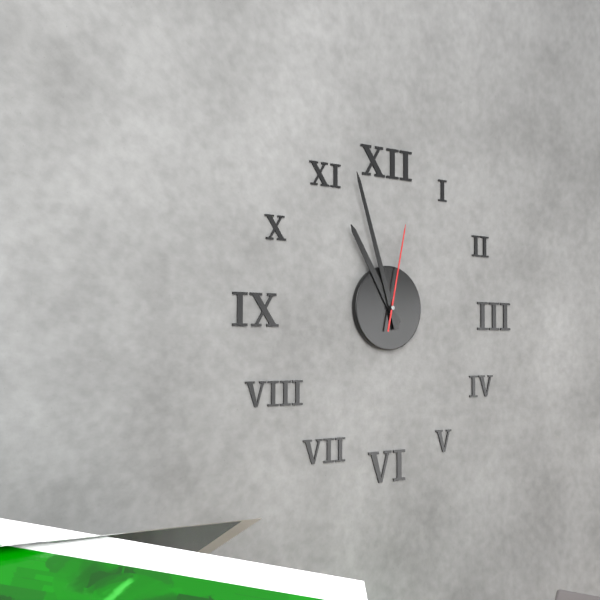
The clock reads 10h57m02s
